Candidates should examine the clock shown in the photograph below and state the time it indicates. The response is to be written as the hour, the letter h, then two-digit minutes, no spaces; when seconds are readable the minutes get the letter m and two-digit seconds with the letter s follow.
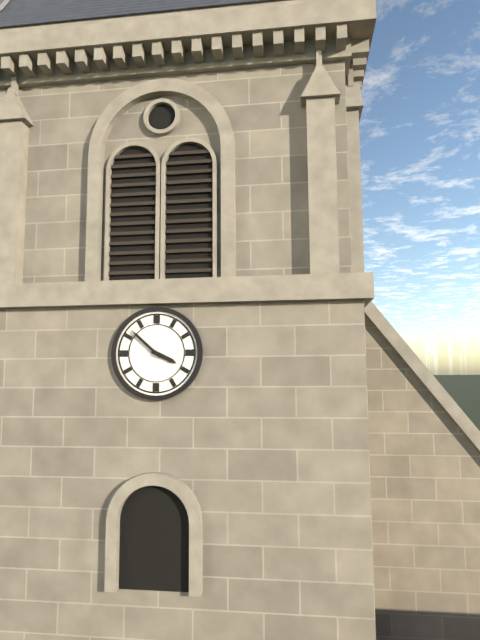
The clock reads 3h52
